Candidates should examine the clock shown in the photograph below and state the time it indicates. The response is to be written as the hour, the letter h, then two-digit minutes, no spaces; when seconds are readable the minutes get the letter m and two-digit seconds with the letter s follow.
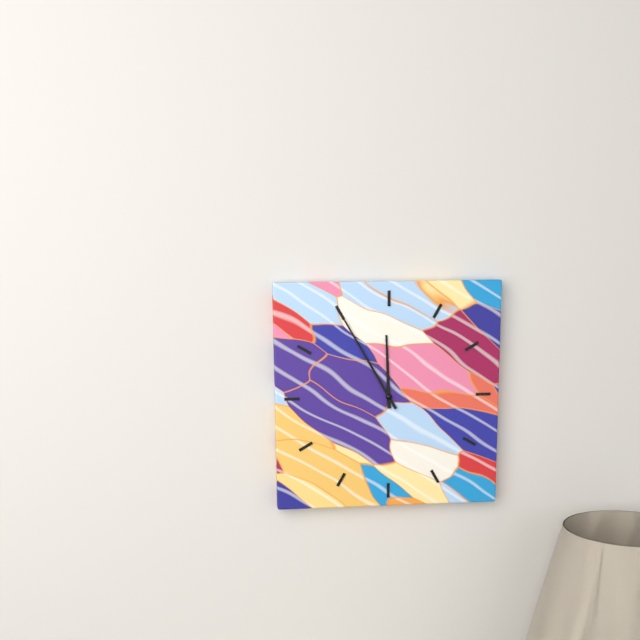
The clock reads 11h55
